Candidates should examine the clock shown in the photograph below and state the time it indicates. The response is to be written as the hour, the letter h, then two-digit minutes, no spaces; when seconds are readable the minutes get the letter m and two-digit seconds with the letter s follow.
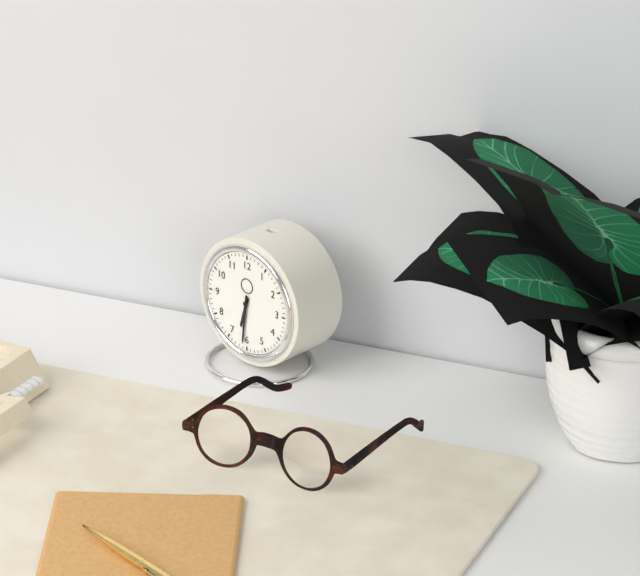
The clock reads 6h31
